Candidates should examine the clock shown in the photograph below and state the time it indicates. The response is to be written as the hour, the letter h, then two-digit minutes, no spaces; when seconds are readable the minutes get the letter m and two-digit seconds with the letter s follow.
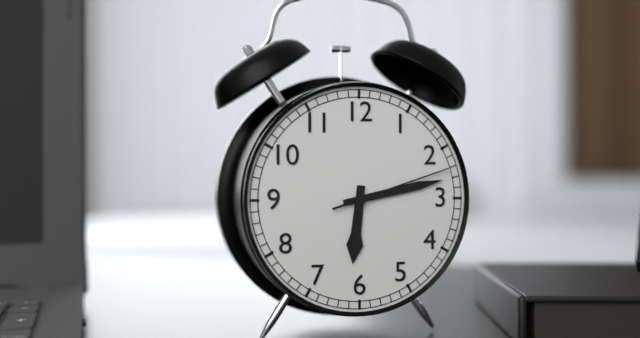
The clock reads 6h13m12s
